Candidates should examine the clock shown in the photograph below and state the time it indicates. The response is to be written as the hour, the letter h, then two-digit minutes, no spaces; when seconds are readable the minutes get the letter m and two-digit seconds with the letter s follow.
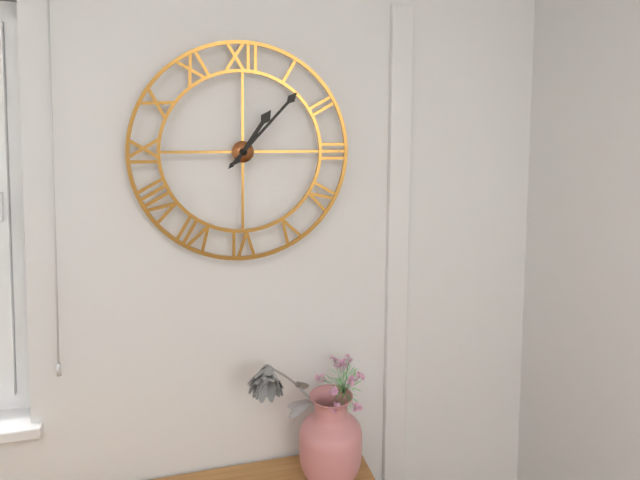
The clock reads 1h07
